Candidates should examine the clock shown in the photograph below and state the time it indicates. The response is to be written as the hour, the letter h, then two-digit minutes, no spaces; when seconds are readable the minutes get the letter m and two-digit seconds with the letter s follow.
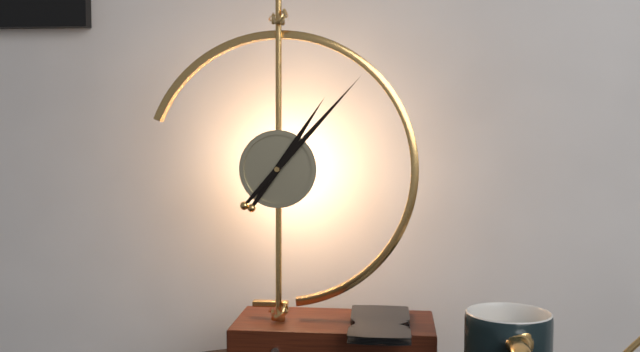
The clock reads 1h07
